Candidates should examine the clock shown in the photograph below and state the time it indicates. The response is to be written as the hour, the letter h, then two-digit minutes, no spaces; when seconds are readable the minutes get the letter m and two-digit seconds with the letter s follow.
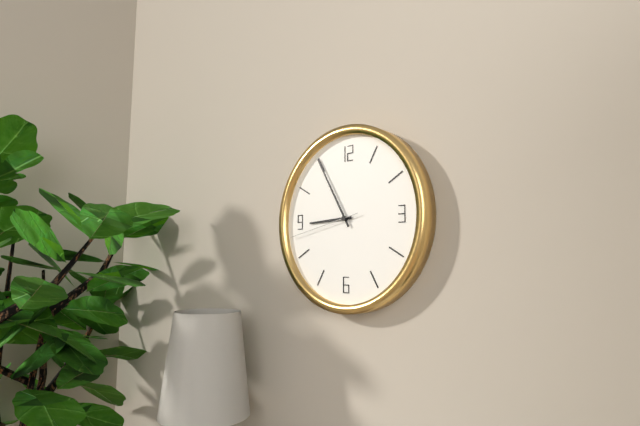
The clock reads 8h55m43s
